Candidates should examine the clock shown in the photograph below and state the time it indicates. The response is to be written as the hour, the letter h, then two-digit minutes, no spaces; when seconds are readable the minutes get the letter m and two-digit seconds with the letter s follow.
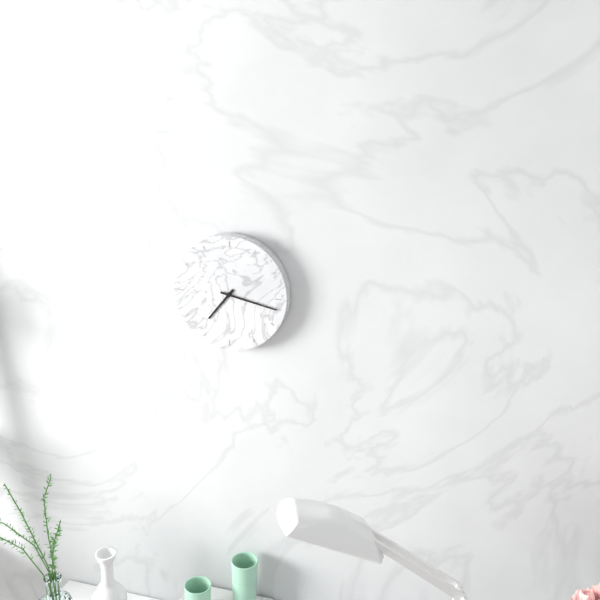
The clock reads 7h17
